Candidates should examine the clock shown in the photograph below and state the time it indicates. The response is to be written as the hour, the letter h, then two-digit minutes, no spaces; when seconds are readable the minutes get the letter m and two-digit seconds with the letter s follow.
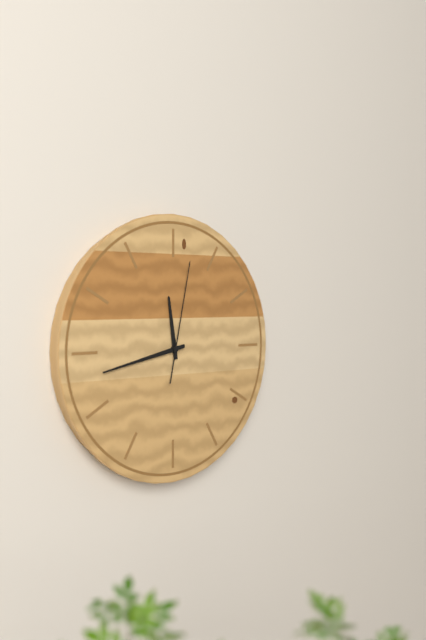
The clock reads 11h43m02s
